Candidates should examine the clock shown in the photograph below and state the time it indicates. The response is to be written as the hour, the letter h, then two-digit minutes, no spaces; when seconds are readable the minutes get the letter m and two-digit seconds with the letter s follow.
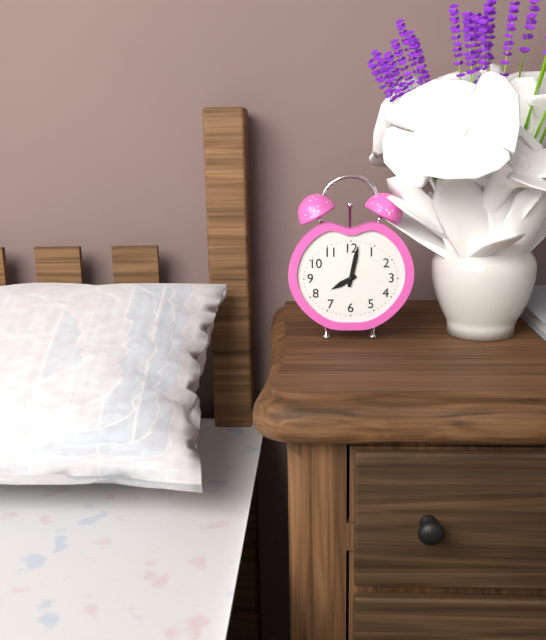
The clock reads 8h02
